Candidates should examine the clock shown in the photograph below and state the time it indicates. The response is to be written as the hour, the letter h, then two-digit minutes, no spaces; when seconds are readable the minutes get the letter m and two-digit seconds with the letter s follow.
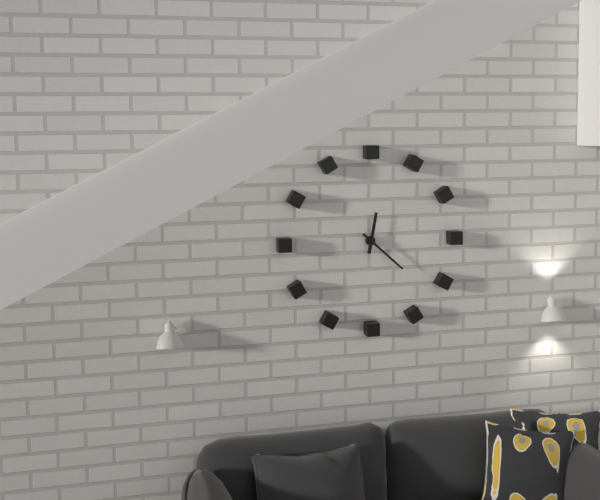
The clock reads 12h22
